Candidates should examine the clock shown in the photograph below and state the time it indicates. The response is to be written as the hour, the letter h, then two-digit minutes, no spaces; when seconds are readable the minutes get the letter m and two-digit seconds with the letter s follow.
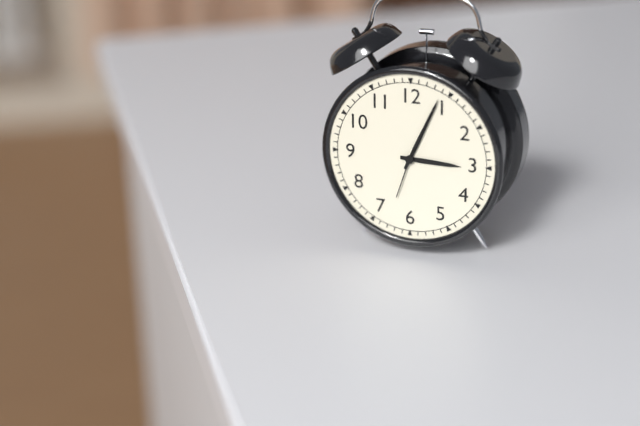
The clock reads 3h04
